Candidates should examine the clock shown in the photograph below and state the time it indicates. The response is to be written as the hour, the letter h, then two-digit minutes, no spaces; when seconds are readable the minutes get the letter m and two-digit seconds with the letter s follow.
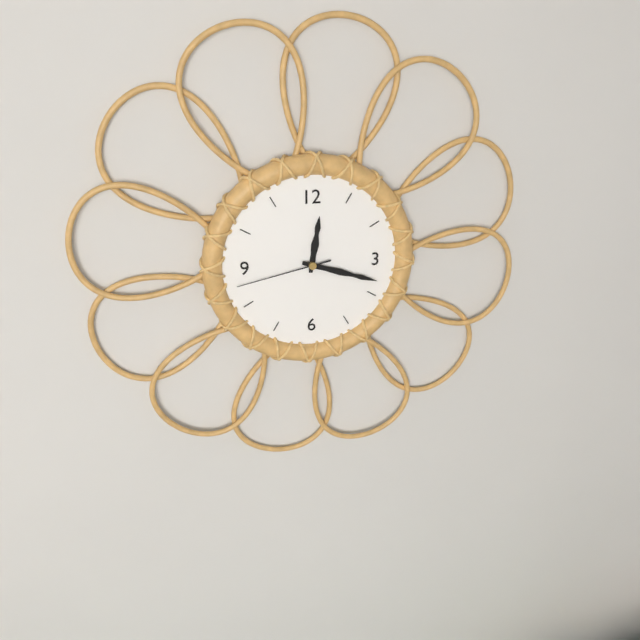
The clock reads 12h18m43s
